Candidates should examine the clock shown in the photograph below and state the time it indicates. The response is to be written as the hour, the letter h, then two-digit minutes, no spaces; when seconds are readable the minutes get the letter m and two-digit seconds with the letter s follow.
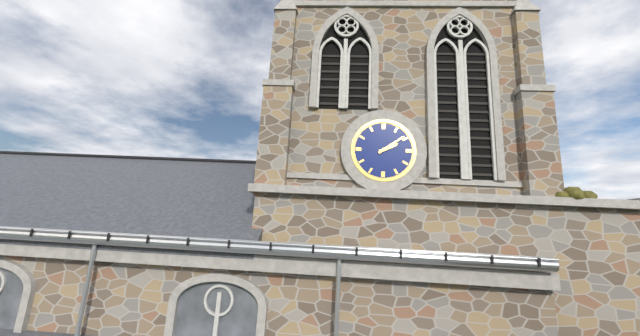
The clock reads 2h09
